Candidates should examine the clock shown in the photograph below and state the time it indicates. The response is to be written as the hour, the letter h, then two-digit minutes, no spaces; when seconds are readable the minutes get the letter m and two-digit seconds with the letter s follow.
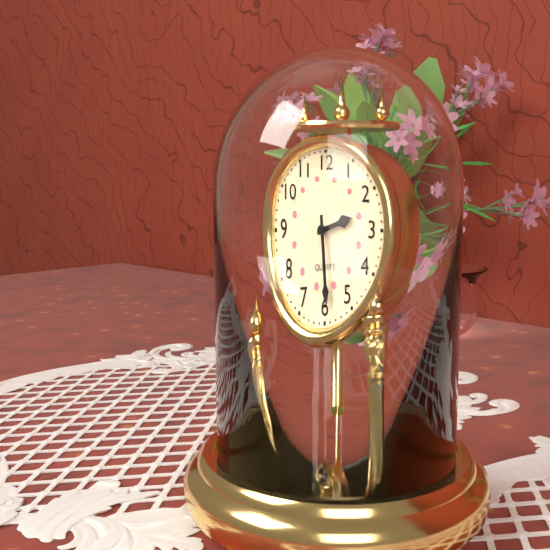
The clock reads 2h29
